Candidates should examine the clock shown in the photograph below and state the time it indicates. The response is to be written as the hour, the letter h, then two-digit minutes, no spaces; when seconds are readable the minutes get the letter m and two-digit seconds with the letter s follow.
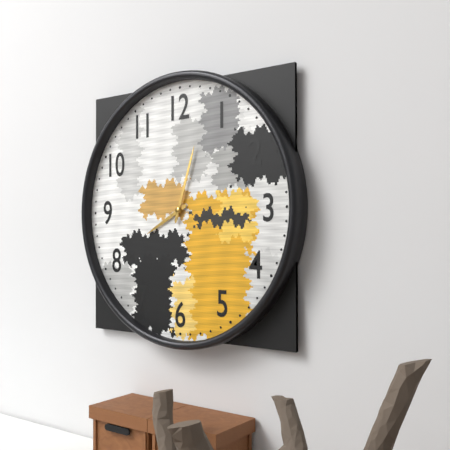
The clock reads 8h03
